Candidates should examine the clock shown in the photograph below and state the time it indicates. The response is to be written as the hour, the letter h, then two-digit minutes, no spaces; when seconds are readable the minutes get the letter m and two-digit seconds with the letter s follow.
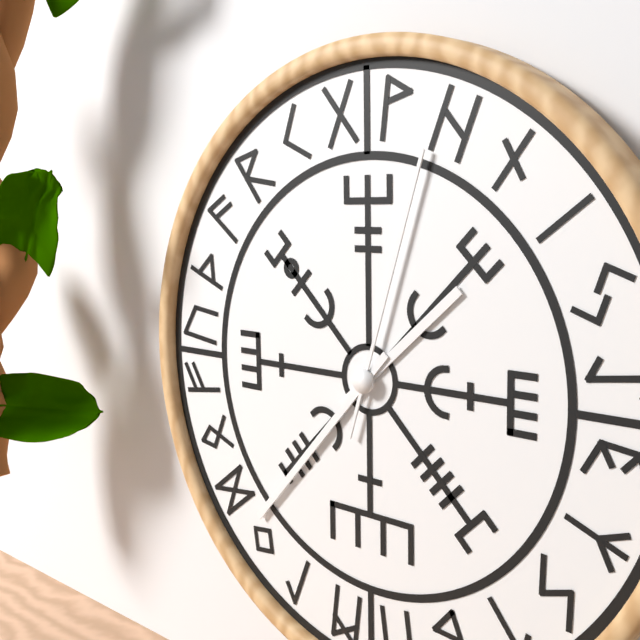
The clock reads 1h37m03s
